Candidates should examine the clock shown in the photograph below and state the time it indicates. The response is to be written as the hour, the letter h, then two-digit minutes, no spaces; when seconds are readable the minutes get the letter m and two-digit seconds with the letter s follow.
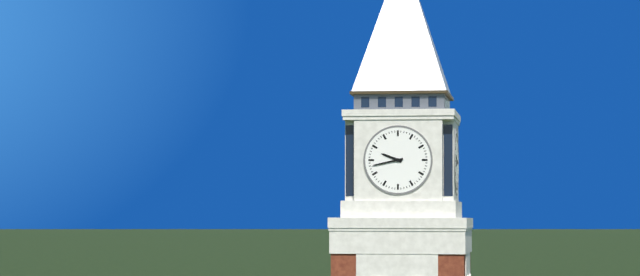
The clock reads 9h43
